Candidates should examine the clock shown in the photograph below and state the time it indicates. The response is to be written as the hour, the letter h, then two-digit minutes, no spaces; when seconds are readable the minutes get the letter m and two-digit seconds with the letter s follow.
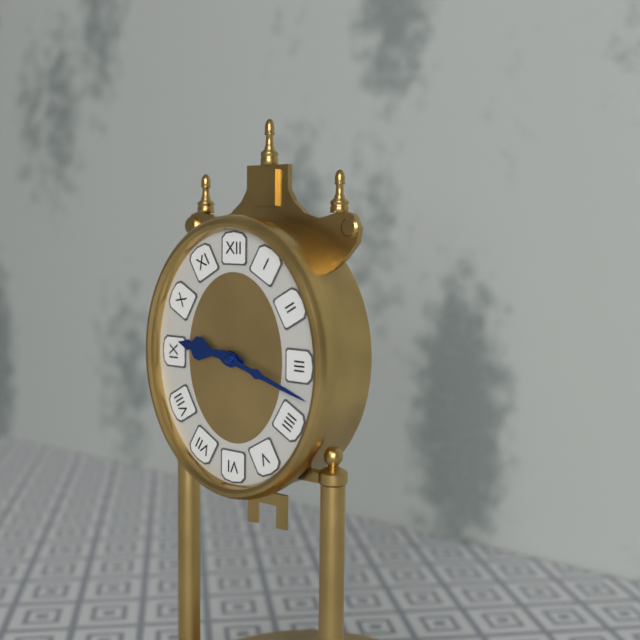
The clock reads 9h18
